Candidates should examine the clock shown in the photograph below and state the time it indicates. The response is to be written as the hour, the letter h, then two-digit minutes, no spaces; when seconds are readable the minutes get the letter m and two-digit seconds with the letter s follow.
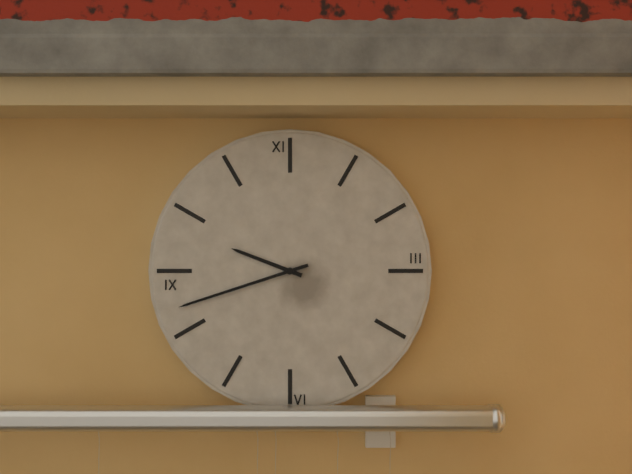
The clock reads 9h42
